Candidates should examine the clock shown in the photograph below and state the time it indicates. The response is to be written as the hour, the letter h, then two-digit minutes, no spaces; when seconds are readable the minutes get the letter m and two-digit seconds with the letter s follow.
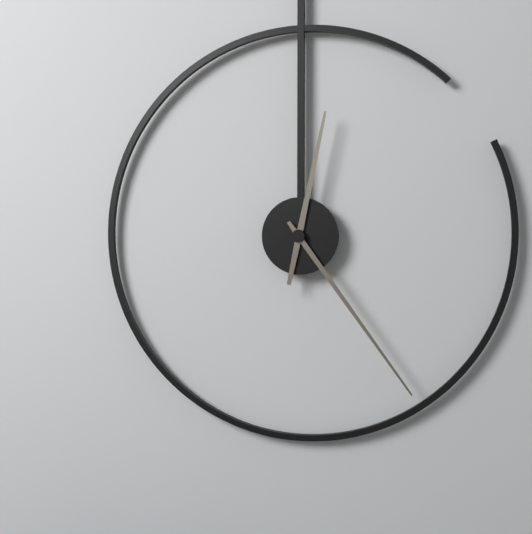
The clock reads 12h24
